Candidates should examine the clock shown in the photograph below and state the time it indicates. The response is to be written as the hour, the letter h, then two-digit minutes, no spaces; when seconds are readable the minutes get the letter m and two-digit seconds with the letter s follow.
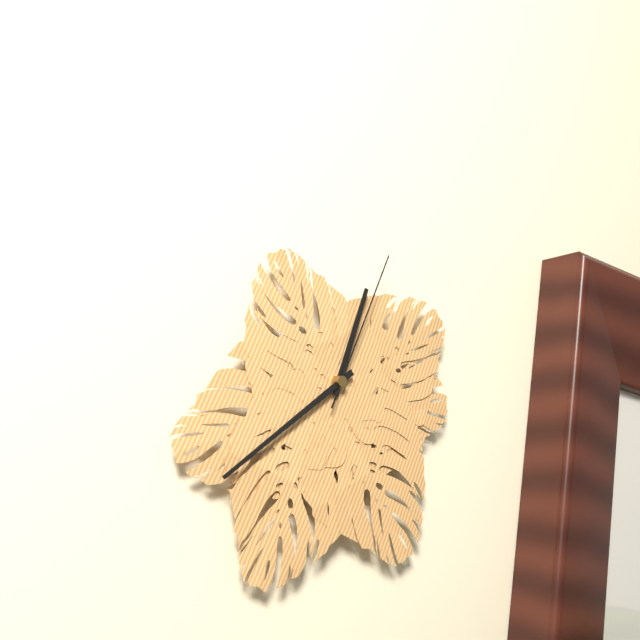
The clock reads 12h39m04s
